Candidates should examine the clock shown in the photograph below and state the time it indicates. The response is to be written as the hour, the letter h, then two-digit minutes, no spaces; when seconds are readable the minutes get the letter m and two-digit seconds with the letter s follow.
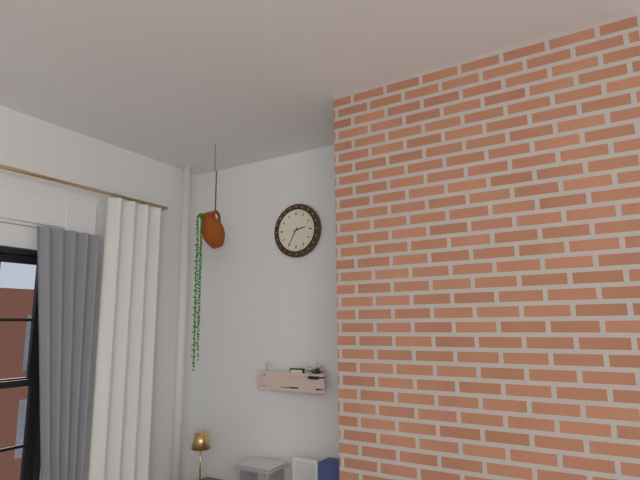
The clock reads 2h35
